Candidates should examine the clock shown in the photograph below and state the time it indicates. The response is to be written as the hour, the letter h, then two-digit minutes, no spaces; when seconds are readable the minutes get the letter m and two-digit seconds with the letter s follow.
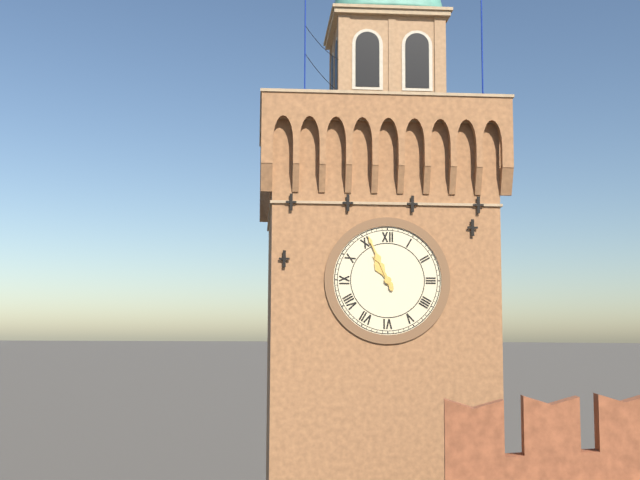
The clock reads 10h56
